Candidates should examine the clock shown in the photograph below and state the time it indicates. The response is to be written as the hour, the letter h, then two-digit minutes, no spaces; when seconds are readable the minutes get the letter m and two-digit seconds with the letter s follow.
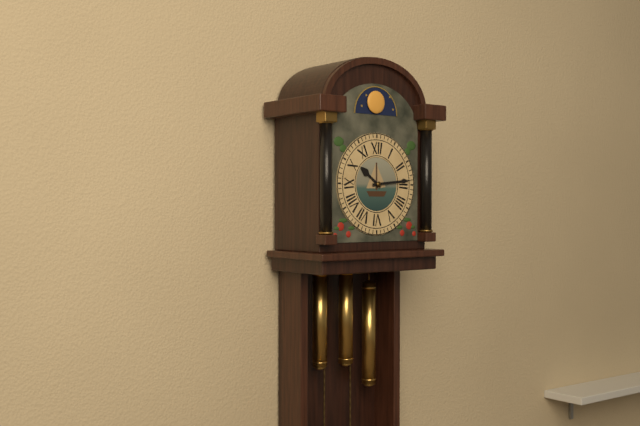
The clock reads 10h14
